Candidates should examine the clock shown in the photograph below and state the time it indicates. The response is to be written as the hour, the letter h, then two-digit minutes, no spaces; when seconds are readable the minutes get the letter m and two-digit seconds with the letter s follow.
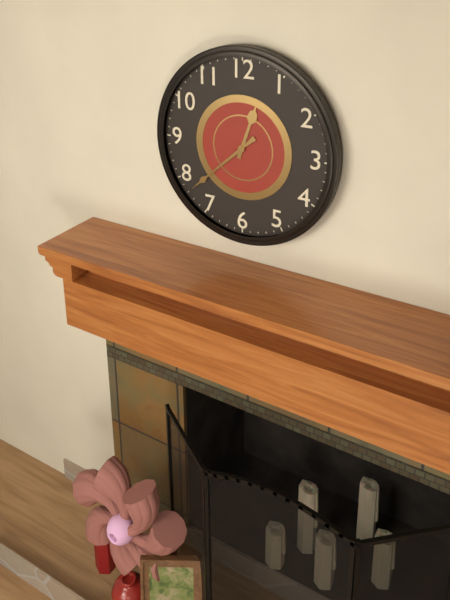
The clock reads 12h38
